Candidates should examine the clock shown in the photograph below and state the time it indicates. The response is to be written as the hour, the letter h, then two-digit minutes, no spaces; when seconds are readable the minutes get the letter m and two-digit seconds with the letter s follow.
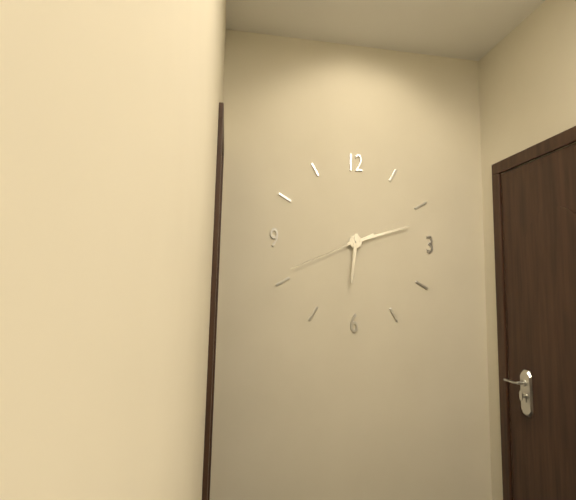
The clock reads 6h12m41s
